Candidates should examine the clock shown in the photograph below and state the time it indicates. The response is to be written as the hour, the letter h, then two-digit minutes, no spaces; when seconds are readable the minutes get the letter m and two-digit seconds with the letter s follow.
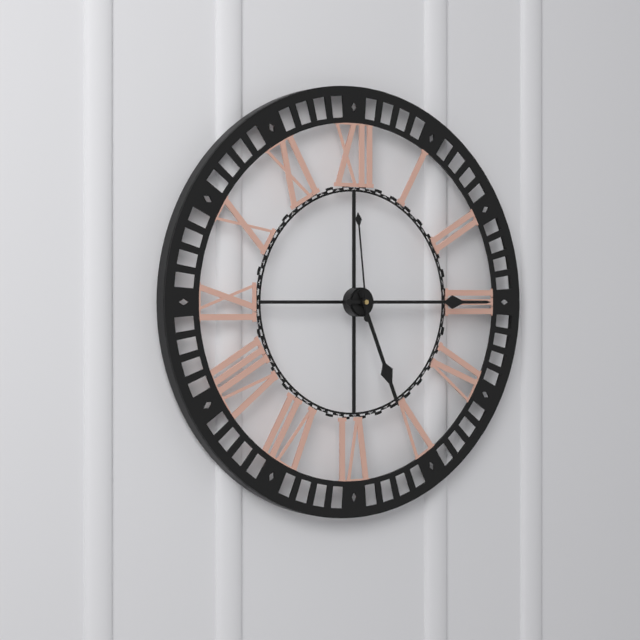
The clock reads 5h15m59s
